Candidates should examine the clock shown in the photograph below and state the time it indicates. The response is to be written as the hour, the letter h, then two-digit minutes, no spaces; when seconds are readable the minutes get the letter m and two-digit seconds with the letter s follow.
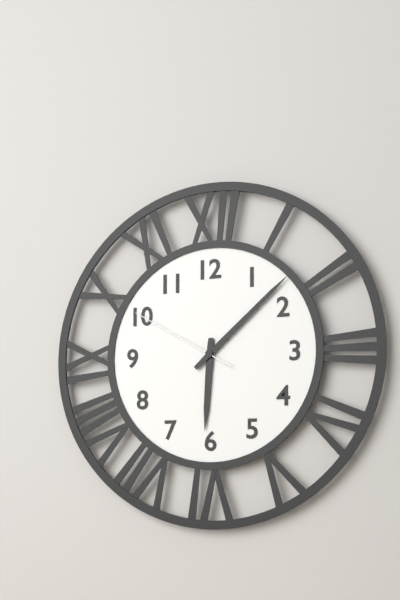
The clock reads 6h08m50s
